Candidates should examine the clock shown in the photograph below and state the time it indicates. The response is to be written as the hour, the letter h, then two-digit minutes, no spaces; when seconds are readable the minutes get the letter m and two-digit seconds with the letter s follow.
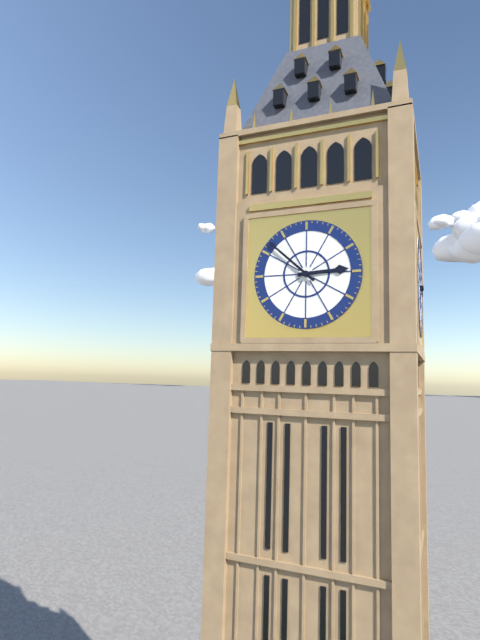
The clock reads 2h52
